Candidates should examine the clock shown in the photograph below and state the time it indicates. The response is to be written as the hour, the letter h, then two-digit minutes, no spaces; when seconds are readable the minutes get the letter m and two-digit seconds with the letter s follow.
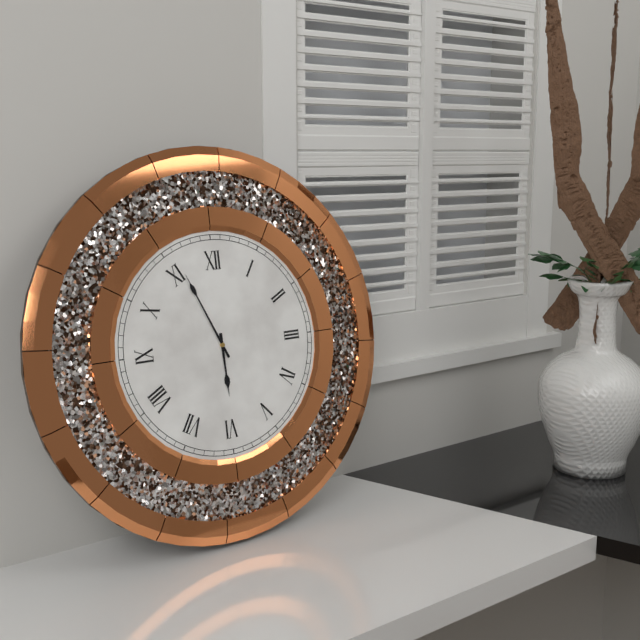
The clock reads 5h56
